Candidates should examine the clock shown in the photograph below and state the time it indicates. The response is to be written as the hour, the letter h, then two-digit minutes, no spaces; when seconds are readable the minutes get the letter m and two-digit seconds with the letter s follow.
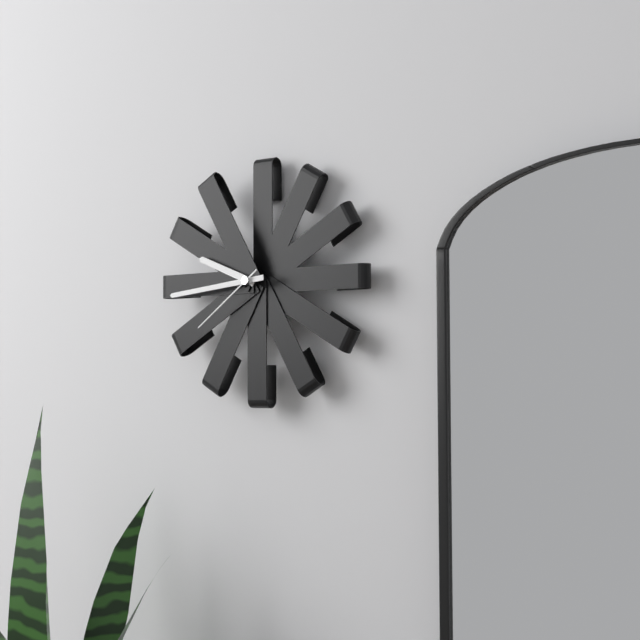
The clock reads 9h44m39s
